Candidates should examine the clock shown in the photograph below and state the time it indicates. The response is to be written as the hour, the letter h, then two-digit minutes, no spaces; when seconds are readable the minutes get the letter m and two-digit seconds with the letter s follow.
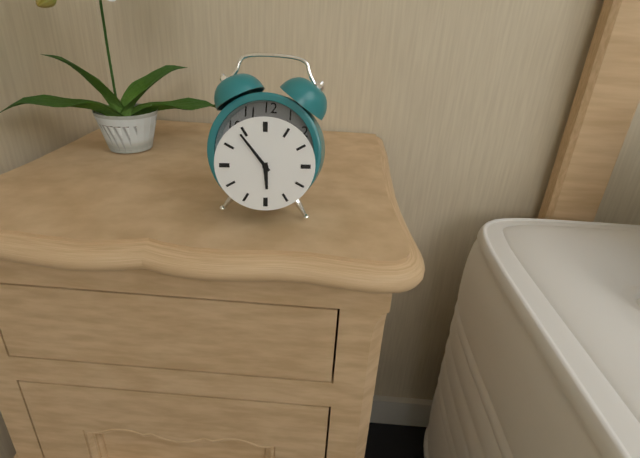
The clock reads 5h54
